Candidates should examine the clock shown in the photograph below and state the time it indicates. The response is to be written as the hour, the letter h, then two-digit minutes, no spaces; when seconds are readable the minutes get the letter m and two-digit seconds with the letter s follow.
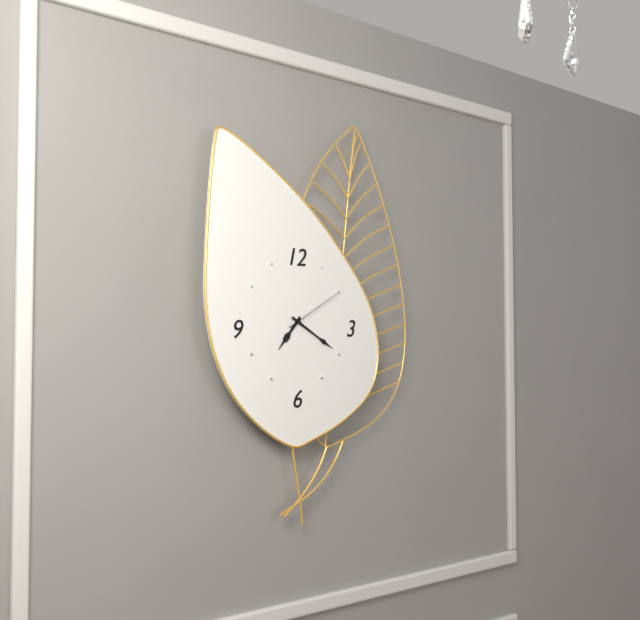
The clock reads 7h20m10s
